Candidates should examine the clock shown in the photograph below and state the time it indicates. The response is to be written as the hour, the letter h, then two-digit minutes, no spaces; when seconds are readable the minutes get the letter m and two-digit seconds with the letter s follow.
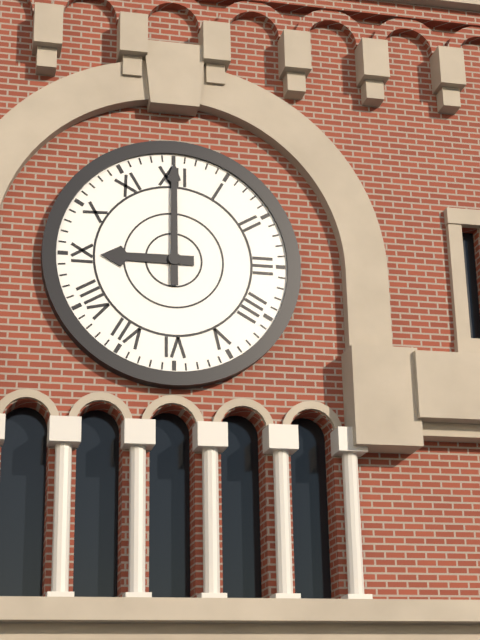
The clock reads 9h00
